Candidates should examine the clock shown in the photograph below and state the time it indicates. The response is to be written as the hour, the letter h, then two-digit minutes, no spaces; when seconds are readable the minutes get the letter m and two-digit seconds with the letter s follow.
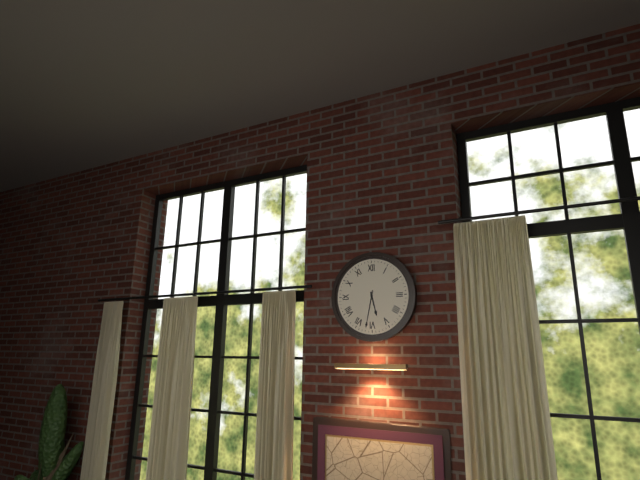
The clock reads 5h32
